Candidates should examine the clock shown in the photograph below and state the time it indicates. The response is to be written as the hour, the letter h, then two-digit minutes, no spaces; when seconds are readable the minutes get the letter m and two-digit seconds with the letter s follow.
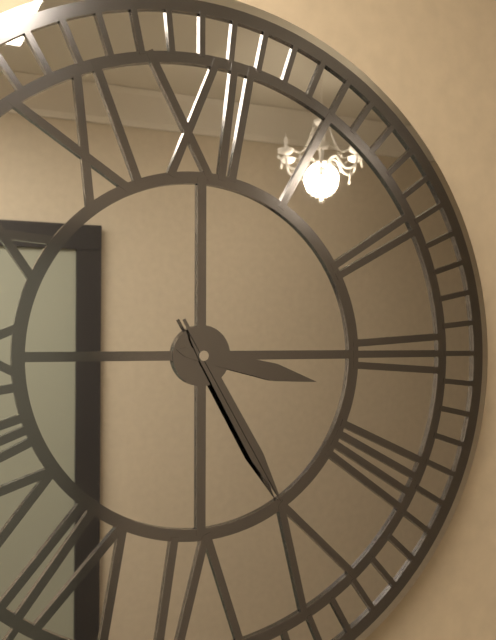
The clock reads 3h25m25s
